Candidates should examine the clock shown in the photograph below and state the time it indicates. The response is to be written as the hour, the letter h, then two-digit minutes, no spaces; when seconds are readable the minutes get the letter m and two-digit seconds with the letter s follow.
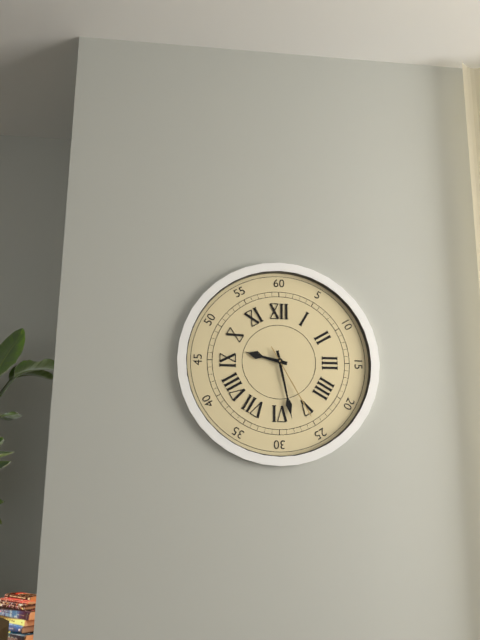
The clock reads 9h28m25s
